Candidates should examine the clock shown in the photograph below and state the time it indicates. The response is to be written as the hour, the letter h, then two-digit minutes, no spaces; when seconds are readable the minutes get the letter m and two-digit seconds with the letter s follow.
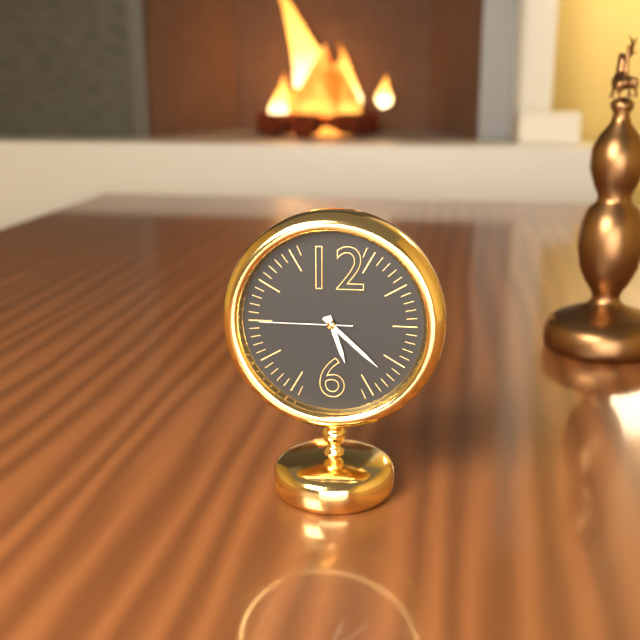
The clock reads 5h22m45s
